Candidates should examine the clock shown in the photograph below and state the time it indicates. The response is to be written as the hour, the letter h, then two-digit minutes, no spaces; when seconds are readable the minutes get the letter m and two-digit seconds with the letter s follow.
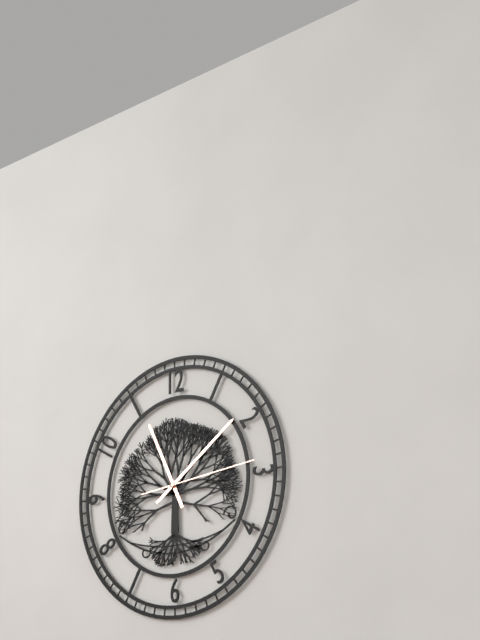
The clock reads 11h09m14s
